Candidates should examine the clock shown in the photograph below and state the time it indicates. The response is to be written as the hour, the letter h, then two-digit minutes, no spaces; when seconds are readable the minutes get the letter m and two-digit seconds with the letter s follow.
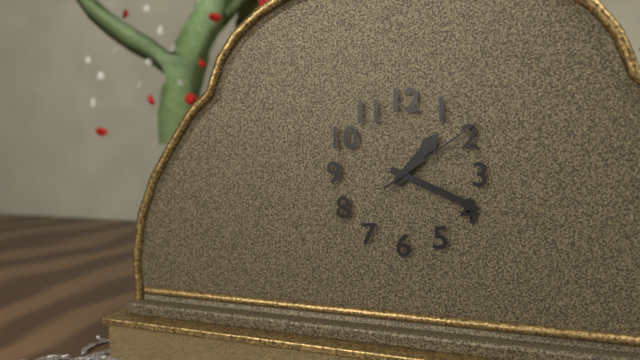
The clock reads 1h19m09s
